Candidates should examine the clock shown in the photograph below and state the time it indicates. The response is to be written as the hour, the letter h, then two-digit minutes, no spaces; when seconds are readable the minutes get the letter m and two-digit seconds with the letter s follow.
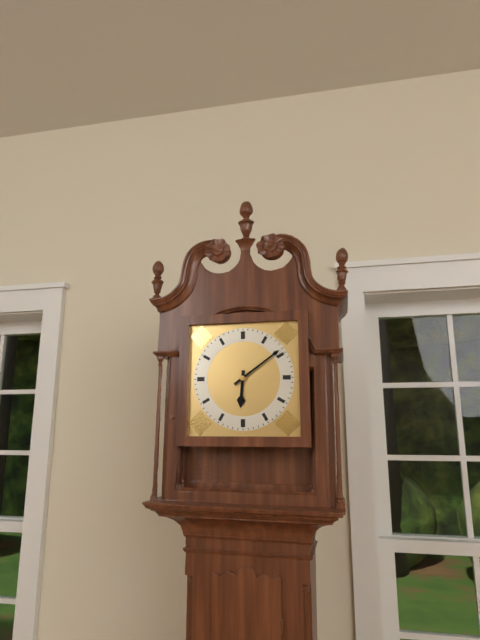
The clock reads 6h09
